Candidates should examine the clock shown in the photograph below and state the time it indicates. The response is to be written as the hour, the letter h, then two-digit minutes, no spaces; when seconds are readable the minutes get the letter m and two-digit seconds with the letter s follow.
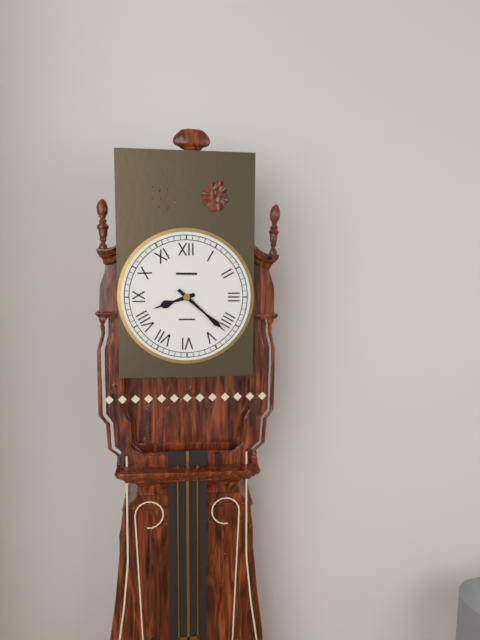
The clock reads 8h22
